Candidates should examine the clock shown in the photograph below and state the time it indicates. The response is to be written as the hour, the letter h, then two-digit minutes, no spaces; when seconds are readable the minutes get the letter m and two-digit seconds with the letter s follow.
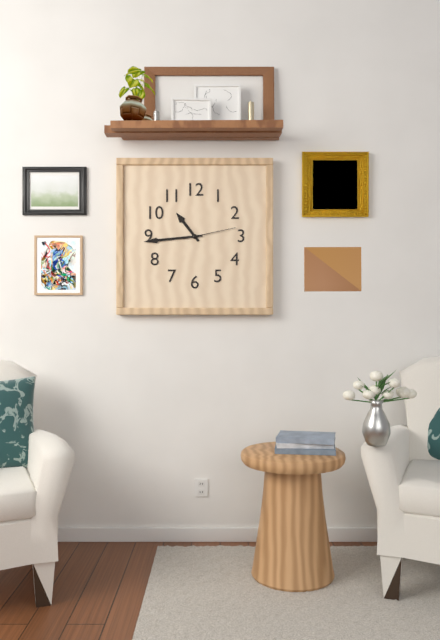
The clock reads 10h44m13s
